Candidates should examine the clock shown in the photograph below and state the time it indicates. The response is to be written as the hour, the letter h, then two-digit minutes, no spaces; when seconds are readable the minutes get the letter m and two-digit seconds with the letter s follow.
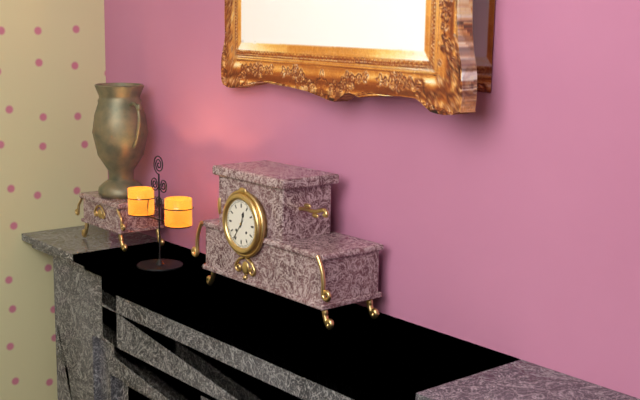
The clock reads 12h36
